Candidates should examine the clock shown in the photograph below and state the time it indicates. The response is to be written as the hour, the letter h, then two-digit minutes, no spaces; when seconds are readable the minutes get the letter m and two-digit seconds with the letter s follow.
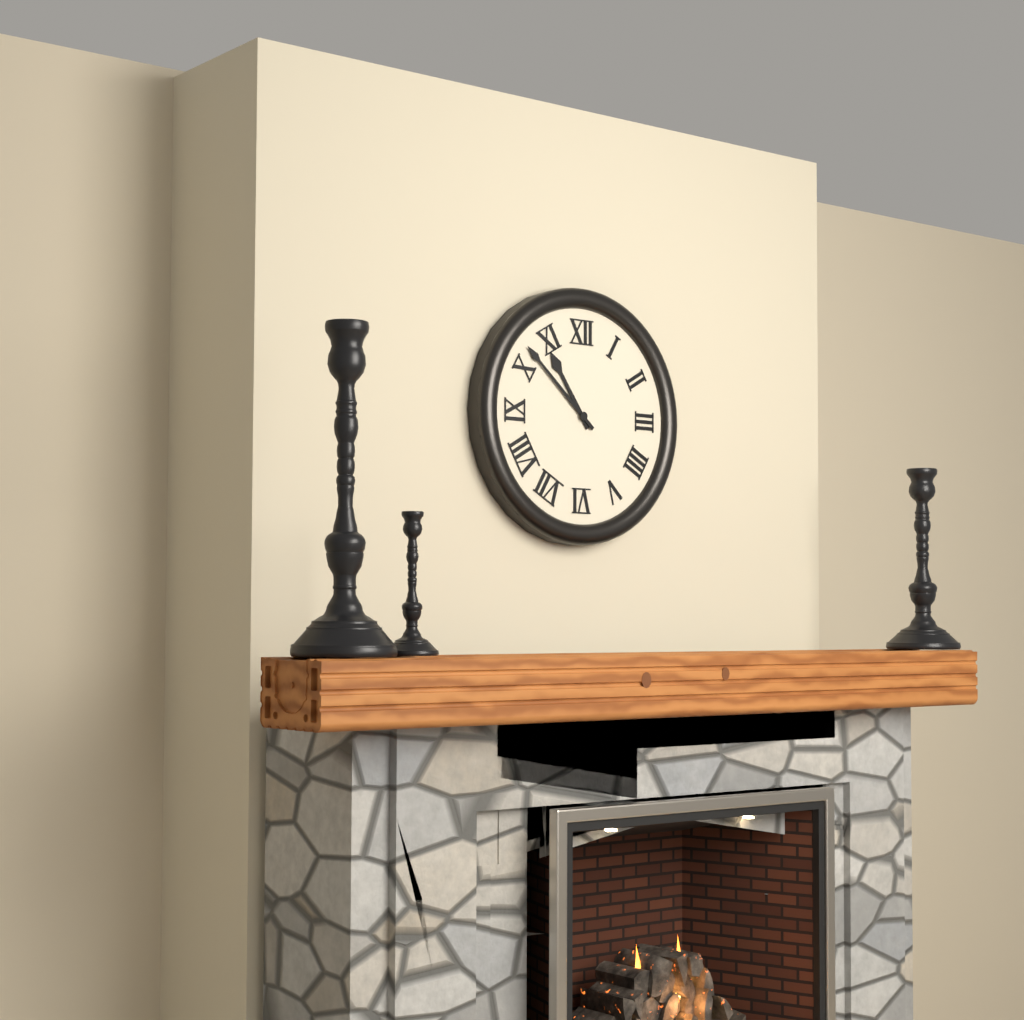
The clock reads 10h52
